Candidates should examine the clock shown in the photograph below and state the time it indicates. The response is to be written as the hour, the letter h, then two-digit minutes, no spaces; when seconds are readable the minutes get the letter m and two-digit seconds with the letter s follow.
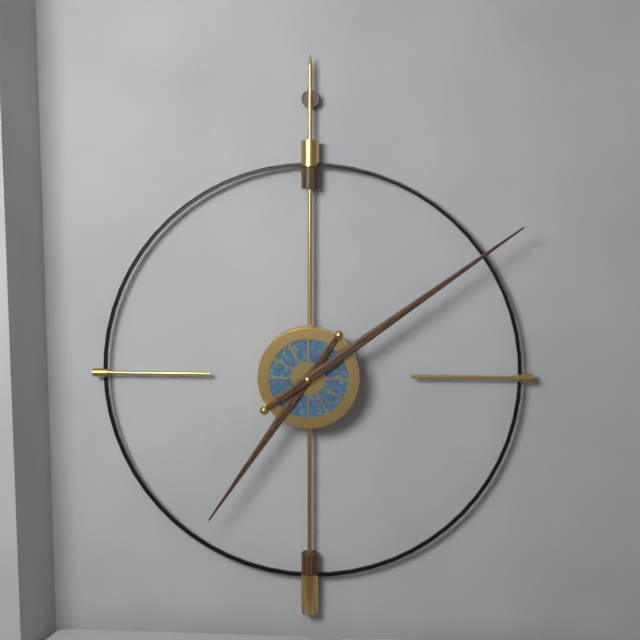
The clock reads 7h09
